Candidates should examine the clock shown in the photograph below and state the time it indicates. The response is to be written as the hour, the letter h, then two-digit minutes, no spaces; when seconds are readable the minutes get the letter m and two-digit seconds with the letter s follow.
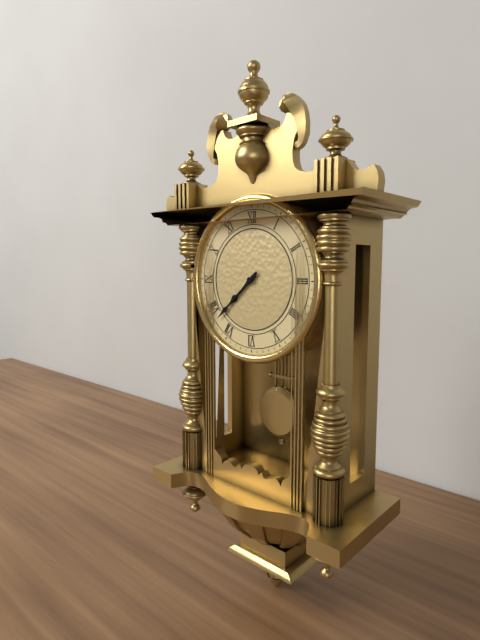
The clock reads 7h38
